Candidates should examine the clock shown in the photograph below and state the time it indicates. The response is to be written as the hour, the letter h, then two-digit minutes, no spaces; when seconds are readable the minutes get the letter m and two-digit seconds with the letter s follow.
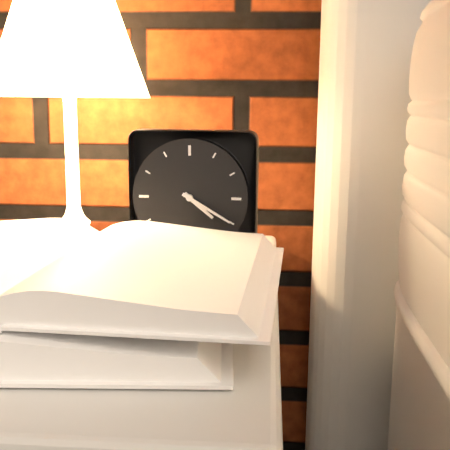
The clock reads 4h20
